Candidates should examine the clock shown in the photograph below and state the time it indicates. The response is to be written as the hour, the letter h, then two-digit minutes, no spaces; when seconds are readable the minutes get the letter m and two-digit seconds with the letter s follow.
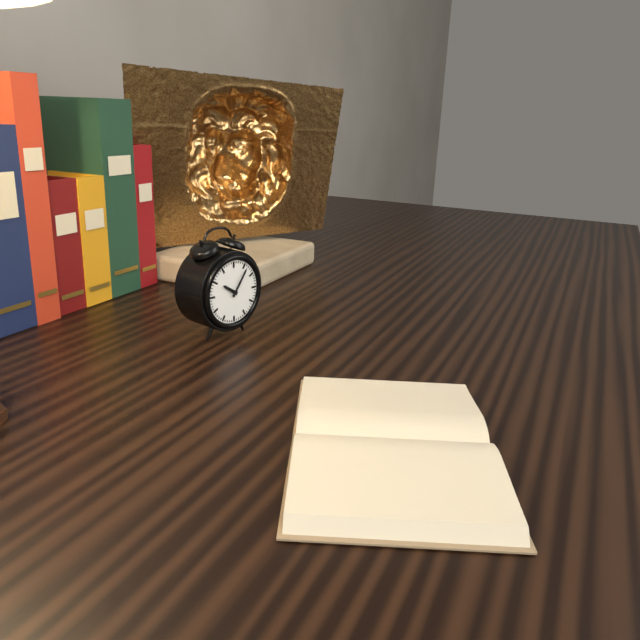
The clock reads 10h06
